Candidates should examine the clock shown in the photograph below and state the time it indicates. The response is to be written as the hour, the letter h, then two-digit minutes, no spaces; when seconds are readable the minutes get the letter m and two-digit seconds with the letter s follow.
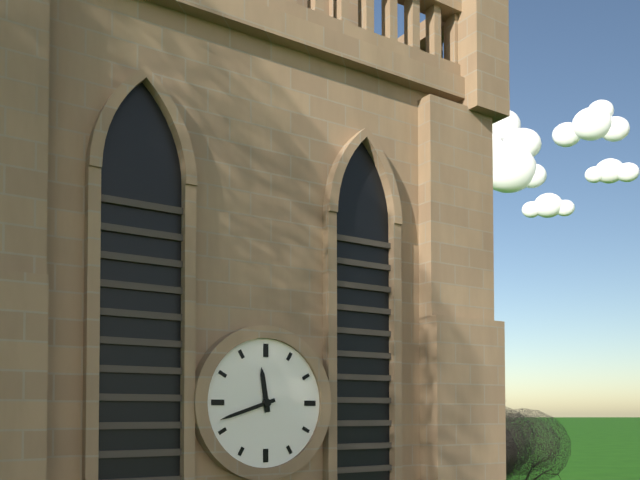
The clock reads 11h42
